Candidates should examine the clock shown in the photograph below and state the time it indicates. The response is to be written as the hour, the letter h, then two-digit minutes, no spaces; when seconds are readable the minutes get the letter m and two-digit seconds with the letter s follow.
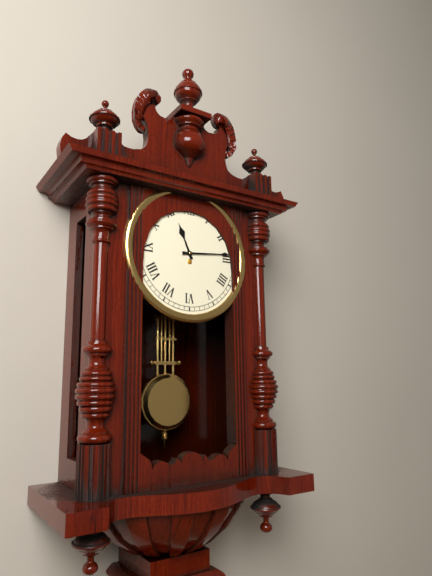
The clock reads 11h14
